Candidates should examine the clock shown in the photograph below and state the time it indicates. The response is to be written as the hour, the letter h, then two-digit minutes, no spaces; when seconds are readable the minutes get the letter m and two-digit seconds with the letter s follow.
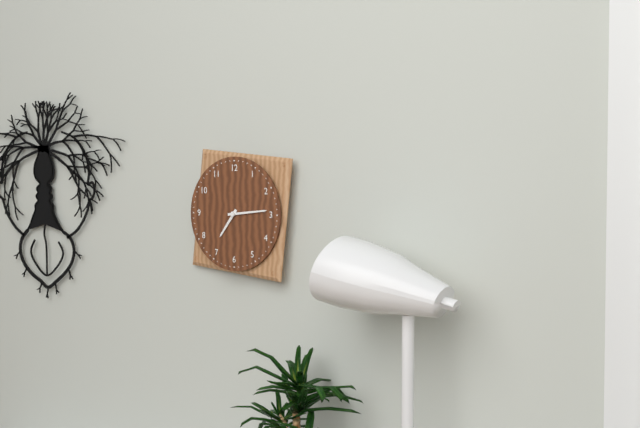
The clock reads 7h14
